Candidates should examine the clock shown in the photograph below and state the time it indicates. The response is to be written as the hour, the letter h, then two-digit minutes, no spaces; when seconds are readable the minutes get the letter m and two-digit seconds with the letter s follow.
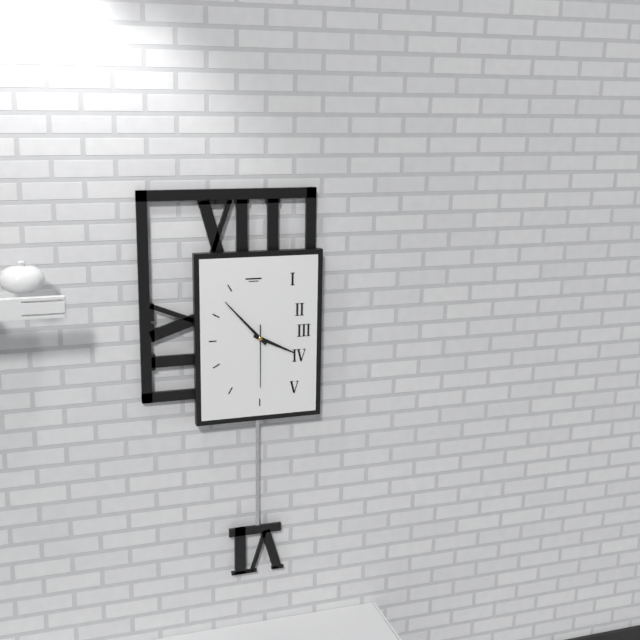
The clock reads 3h53m30s
